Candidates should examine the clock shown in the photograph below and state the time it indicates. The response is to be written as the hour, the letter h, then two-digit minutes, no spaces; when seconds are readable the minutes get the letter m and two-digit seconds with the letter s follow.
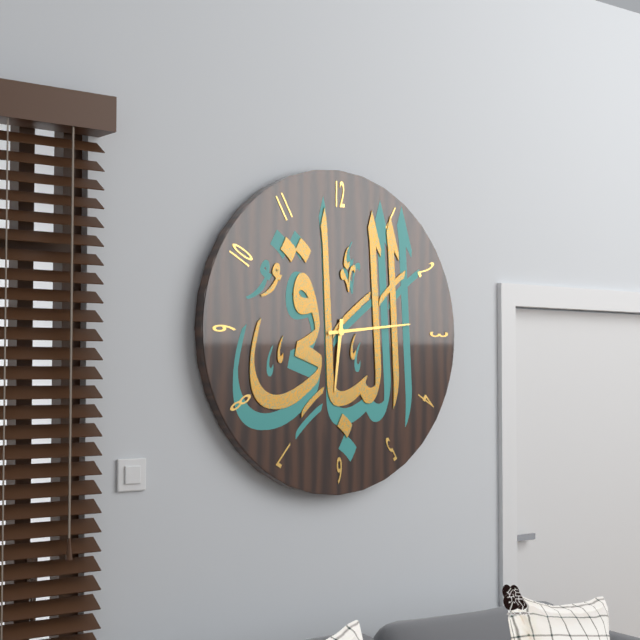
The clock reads 6h14
